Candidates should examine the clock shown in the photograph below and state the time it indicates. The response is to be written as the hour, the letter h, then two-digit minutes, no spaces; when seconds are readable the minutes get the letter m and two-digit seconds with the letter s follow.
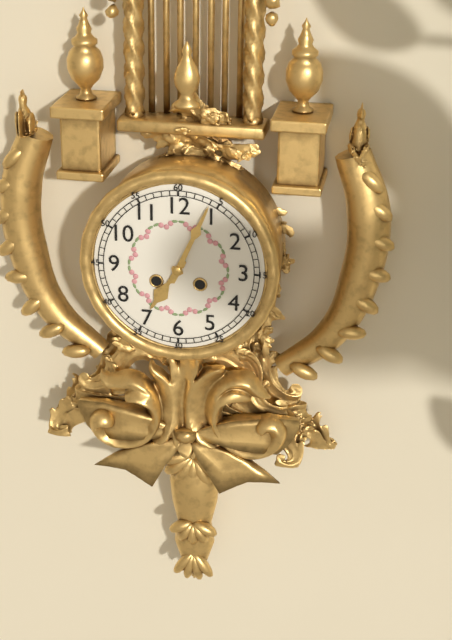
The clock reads 7h04
